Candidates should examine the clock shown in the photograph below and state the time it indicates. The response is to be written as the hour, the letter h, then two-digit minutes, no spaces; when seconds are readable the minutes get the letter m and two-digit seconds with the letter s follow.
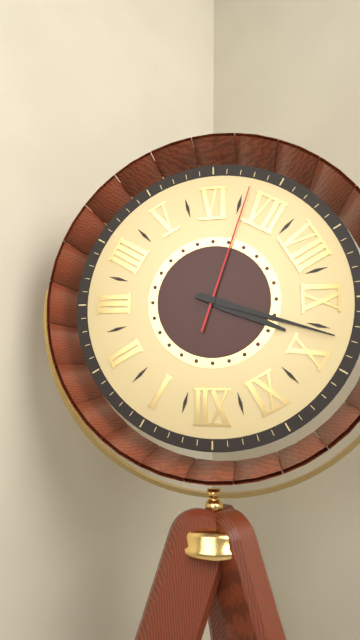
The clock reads 9h48m33s
